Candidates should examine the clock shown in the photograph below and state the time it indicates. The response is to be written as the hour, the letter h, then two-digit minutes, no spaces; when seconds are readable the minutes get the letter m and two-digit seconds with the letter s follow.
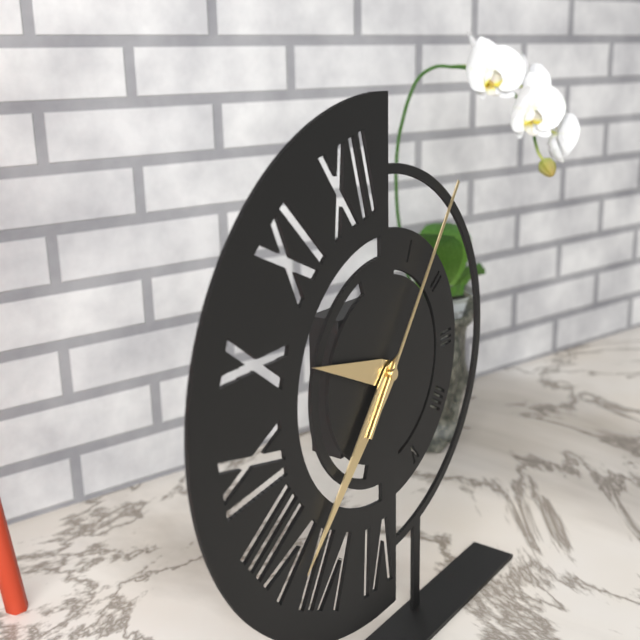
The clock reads 9h37m06s
